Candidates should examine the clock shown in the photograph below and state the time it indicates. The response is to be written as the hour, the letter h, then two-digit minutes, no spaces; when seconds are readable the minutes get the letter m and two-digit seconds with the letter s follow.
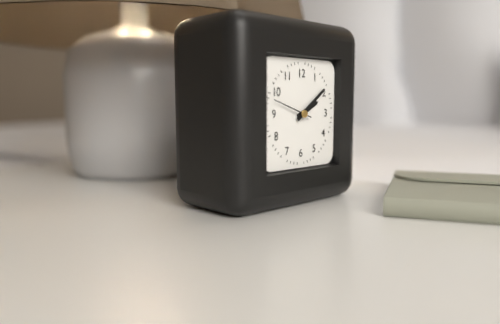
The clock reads 2h09
